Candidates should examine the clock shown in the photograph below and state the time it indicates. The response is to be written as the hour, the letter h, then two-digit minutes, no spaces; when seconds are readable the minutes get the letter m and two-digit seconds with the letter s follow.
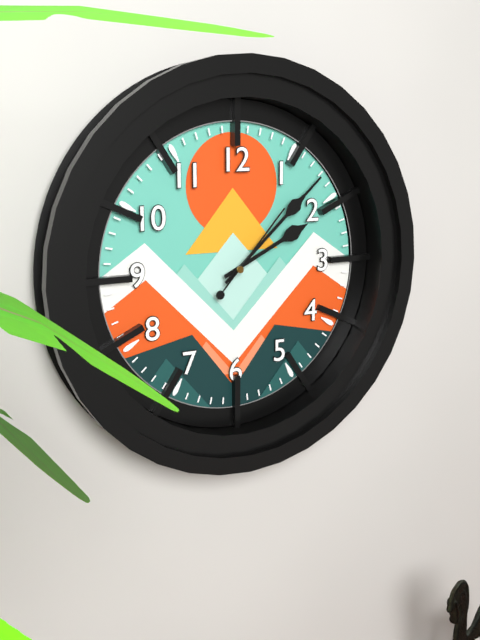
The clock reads 2h08m07s
